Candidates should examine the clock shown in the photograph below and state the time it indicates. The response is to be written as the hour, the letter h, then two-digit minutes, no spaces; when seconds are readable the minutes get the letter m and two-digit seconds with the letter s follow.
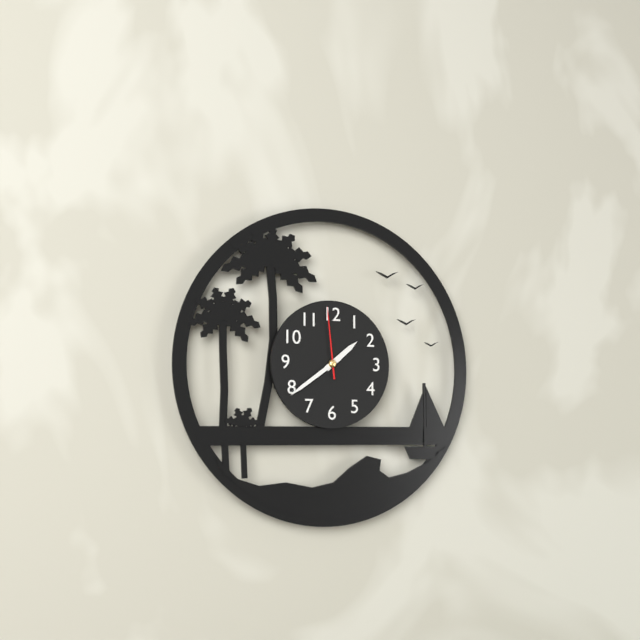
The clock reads 1h39m59s
